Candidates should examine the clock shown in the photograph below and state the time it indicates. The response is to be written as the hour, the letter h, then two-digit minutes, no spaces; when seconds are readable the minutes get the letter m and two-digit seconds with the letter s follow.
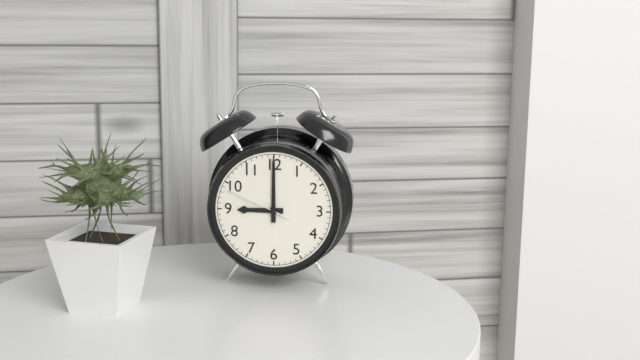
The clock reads 9h00m49s
